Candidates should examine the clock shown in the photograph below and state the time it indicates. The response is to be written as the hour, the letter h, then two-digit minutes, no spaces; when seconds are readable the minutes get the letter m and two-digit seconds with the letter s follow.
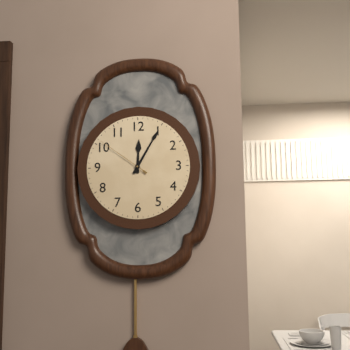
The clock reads 12h05m51s
